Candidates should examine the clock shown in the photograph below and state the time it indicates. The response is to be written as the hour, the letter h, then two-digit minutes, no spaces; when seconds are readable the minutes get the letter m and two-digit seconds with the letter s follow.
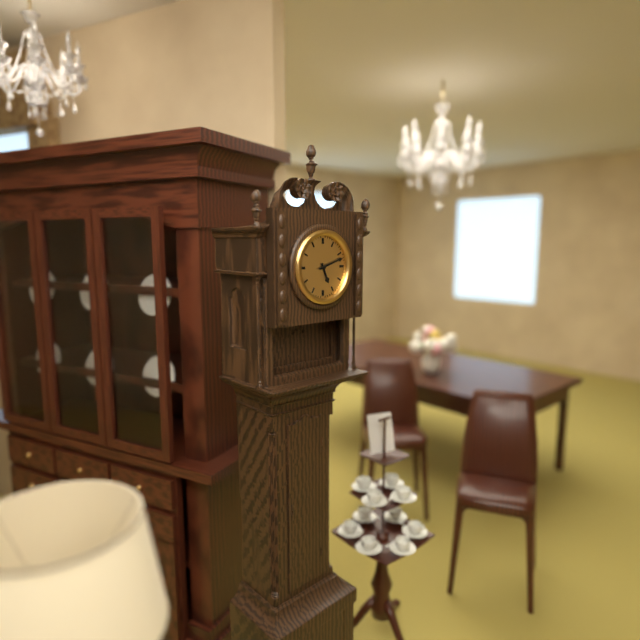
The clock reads 5h12
